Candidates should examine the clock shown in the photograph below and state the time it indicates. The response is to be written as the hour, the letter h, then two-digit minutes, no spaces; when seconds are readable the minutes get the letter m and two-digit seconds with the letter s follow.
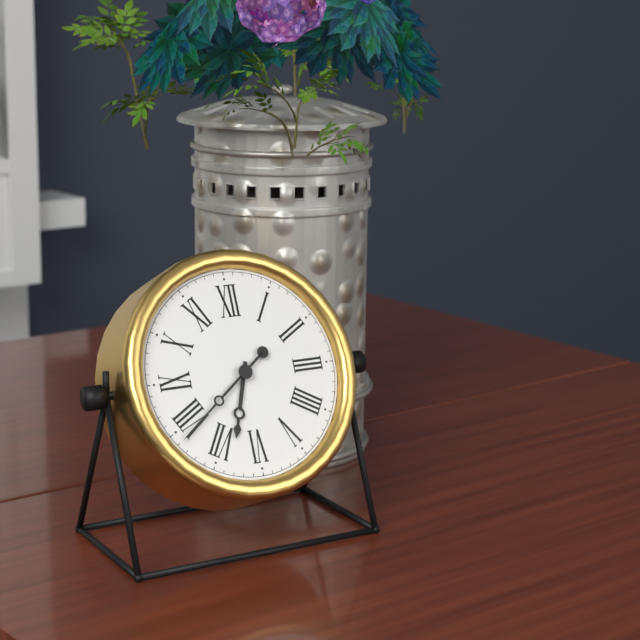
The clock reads 6h39
